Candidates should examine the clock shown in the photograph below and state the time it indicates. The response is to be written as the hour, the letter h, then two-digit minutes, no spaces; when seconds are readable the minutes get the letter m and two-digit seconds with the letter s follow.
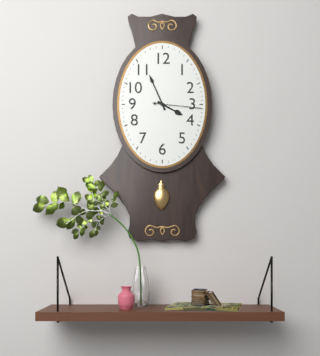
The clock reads 3h56m16s
